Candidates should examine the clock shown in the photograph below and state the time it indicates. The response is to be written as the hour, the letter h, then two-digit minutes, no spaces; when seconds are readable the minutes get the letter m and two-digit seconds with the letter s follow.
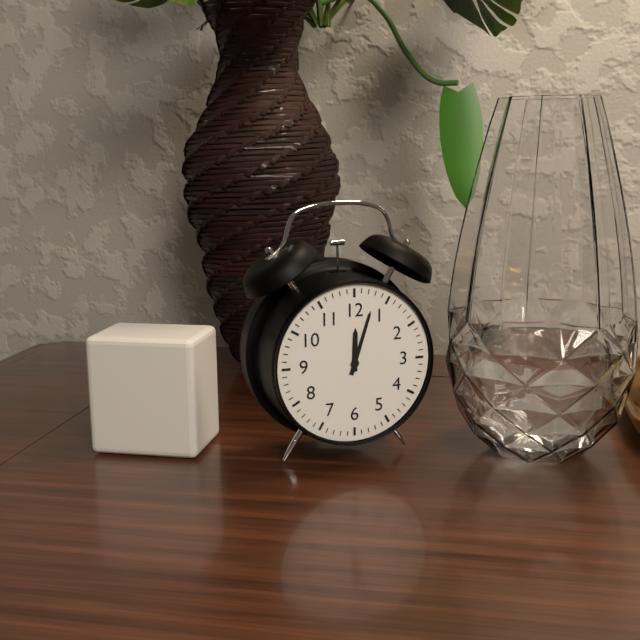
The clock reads 12h03
